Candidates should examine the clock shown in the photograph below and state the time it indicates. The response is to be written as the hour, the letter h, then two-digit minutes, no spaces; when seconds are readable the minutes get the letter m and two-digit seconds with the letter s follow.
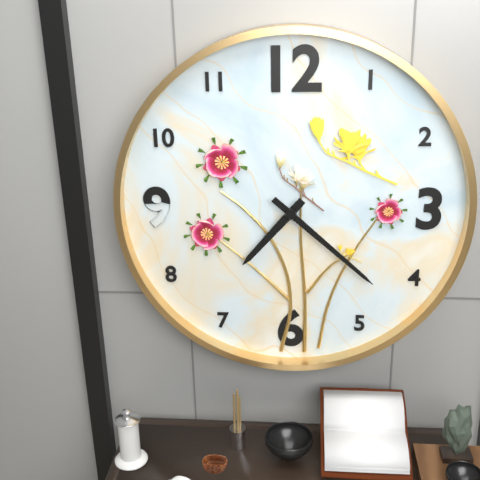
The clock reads 7h22
